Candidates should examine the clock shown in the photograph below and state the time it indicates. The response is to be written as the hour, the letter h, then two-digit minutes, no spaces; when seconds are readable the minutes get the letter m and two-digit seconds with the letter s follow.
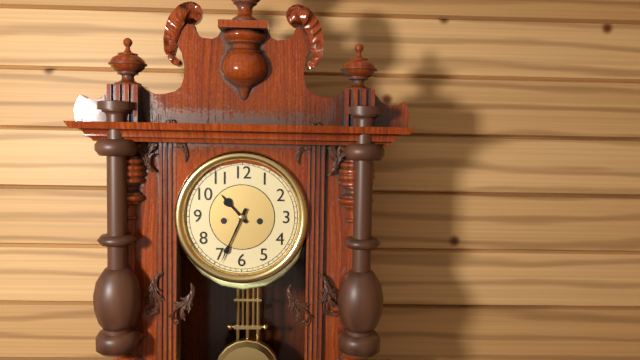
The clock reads 10h34
